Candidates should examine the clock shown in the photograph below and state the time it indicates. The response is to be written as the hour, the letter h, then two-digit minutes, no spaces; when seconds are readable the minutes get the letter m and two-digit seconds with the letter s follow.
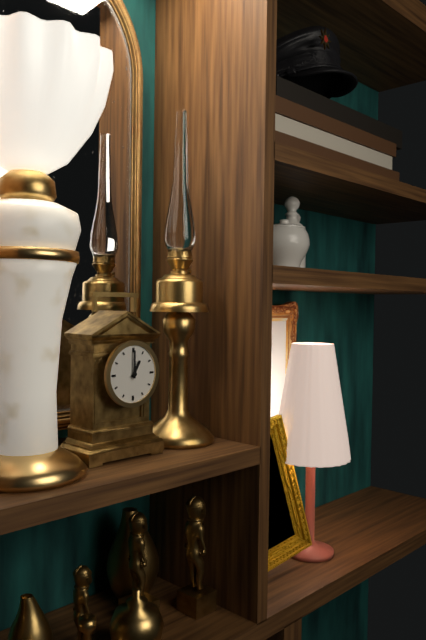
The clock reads 1h00
